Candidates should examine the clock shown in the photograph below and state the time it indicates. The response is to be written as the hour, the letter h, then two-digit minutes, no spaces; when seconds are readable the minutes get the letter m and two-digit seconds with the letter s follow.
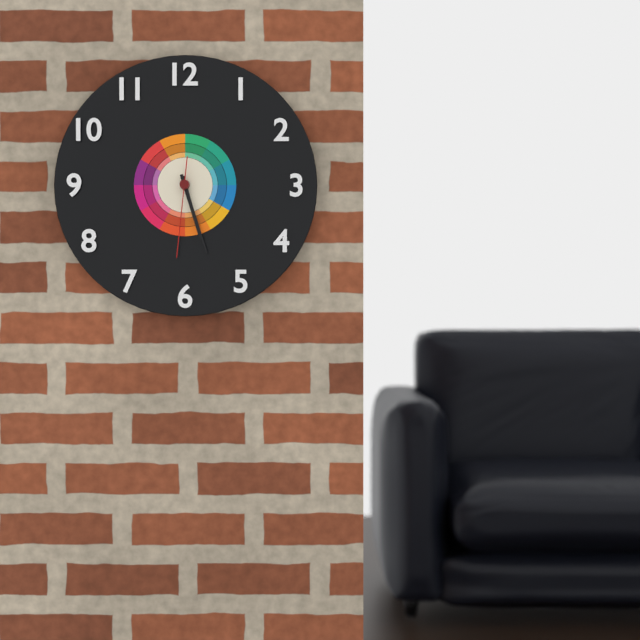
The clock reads 5h27m31s
